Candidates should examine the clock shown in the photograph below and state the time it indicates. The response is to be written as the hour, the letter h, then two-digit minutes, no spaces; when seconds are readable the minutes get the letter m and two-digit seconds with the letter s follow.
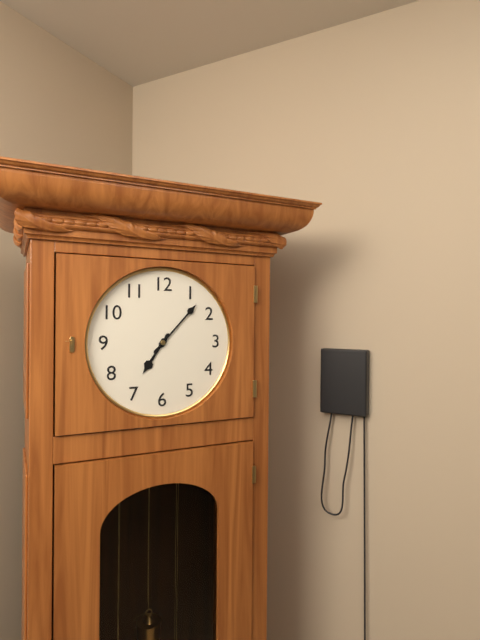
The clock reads 7h07
